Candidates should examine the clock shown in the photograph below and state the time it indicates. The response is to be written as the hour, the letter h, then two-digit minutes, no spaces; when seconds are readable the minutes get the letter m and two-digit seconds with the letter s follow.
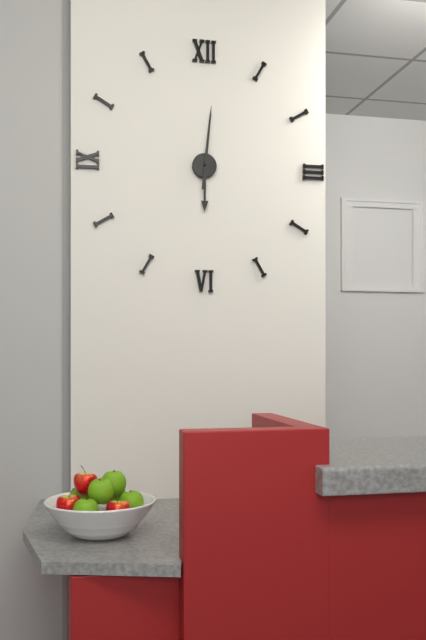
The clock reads 6h01
